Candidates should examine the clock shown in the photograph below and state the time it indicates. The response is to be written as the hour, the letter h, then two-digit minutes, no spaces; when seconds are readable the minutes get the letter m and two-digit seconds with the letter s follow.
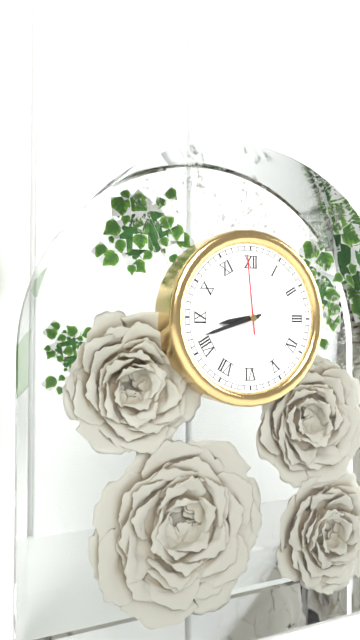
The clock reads 8h42m59s
